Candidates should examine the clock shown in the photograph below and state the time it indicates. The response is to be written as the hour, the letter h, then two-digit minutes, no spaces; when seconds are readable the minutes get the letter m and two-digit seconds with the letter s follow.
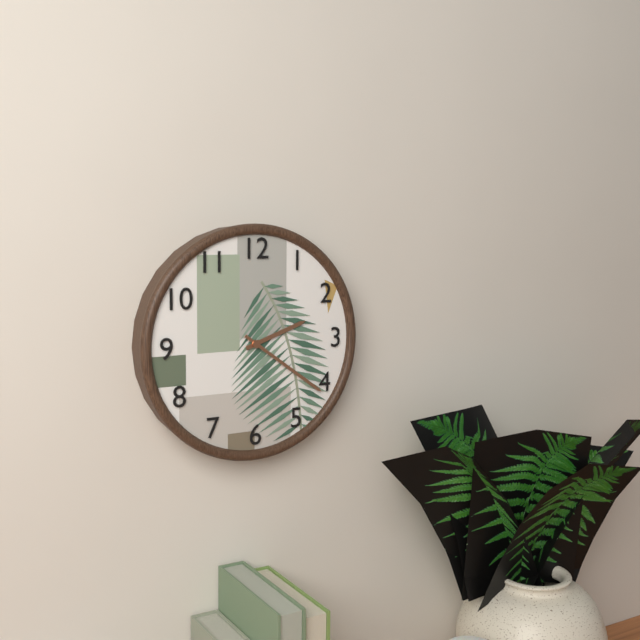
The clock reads 2h21
